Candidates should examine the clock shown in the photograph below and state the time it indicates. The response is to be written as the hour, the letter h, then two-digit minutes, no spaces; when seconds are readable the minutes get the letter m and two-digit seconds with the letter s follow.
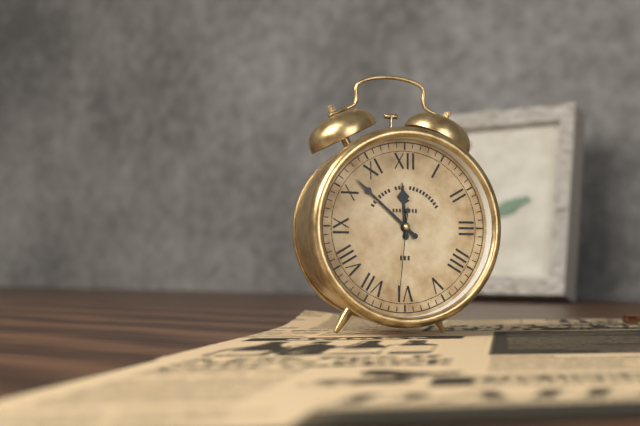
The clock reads 11h52m31s
